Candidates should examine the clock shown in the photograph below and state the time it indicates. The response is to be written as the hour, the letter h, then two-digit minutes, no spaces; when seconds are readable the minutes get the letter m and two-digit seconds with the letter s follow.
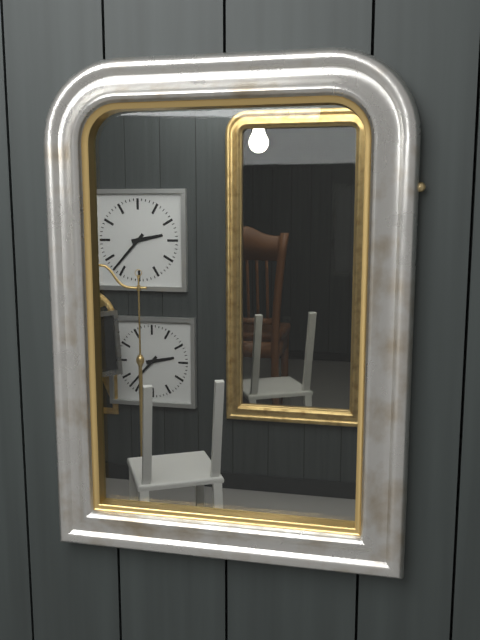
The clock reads 2h37
